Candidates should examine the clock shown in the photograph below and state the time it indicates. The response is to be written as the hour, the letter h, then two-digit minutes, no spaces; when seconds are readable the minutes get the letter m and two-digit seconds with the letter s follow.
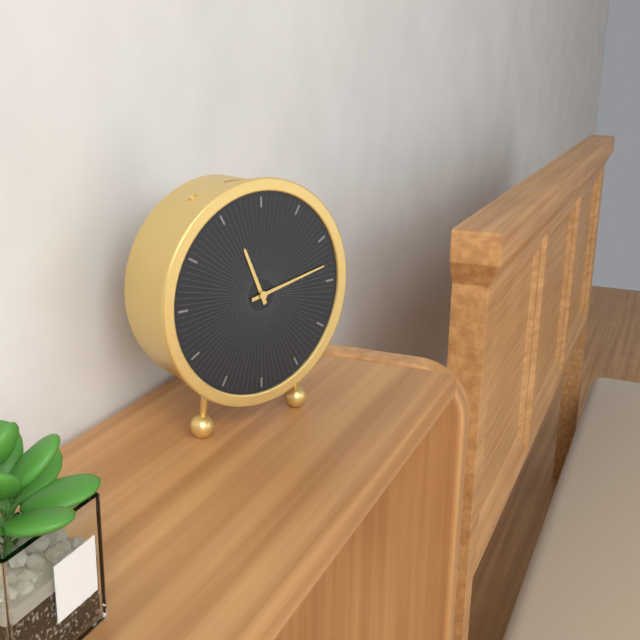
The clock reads 11h13
